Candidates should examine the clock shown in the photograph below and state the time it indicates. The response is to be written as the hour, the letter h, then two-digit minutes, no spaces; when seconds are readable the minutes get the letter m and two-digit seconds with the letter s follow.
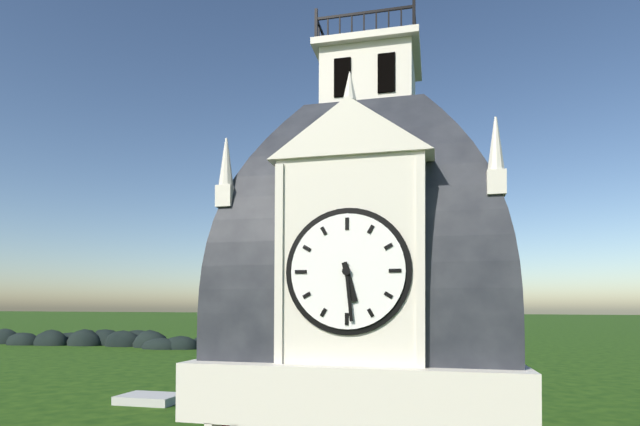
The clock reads 5h29
